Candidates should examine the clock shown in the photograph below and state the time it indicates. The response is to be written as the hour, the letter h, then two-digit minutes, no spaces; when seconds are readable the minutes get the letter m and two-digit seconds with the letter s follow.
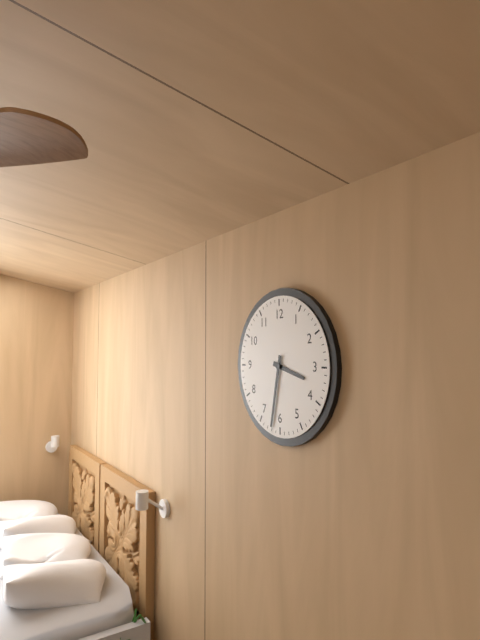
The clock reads 3h32
